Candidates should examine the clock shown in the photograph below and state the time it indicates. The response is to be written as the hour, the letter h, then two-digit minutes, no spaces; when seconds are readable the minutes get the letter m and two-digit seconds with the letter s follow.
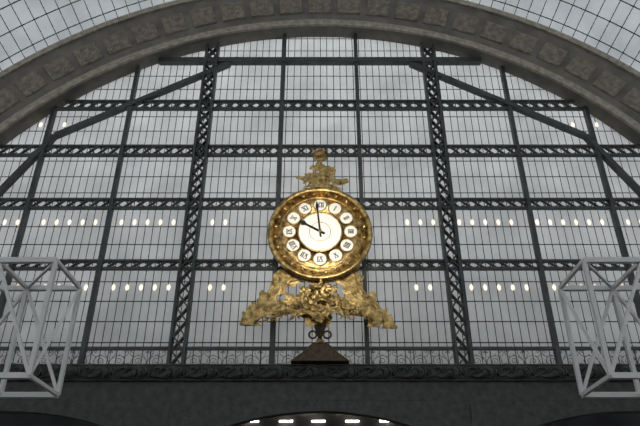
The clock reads 9h59
